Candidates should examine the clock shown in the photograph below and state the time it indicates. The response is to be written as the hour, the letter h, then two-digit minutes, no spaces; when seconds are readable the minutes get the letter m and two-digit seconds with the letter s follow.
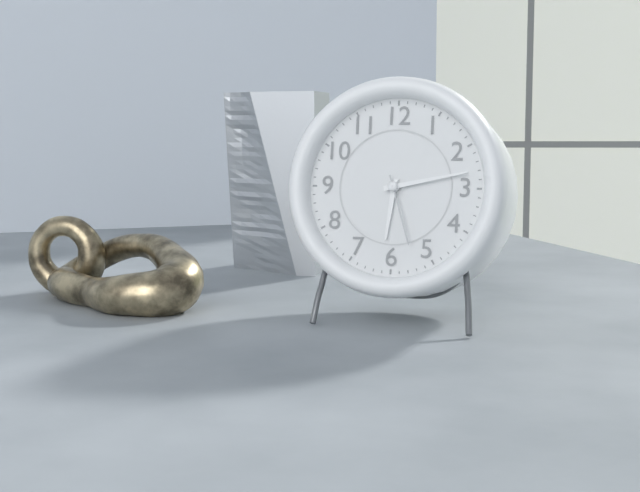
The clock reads 6h13m27s
